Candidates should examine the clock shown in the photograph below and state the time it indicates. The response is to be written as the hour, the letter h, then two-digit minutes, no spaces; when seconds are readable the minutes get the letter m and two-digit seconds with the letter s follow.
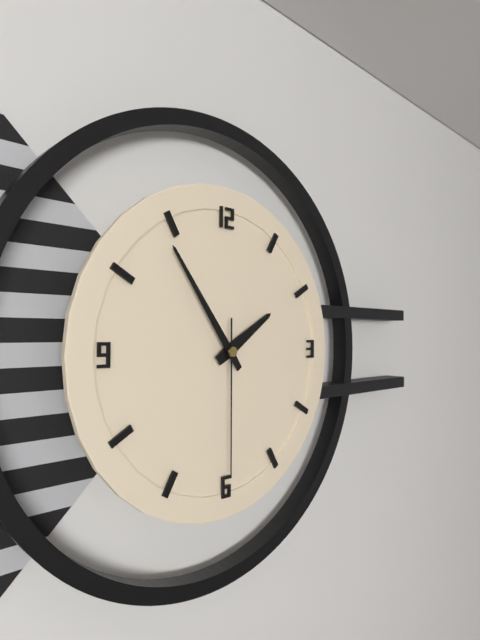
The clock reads 1h54m30s
